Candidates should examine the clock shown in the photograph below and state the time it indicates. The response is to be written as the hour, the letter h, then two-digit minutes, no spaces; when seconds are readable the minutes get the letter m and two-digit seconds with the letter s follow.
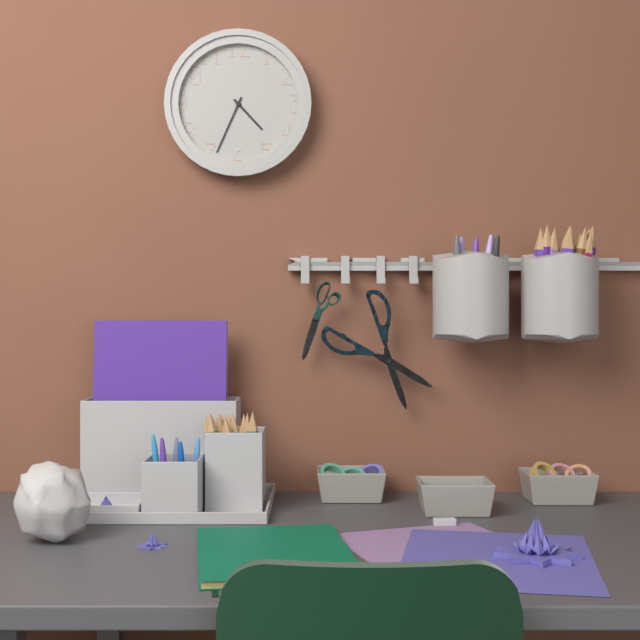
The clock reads 4h34
